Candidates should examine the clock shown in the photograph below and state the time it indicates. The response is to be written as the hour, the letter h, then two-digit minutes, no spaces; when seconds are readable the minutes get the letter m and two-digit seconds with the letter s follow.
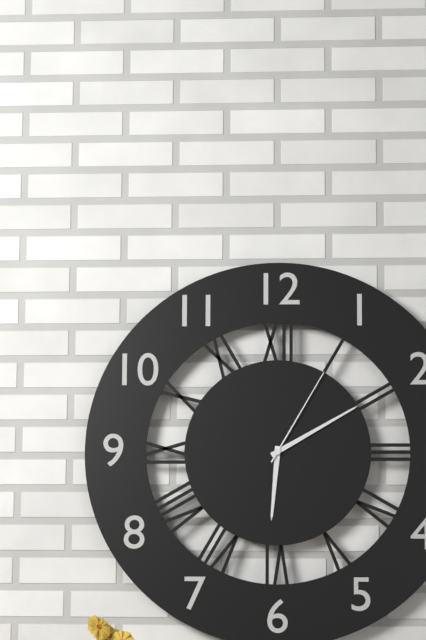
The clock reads 6h10m05s
